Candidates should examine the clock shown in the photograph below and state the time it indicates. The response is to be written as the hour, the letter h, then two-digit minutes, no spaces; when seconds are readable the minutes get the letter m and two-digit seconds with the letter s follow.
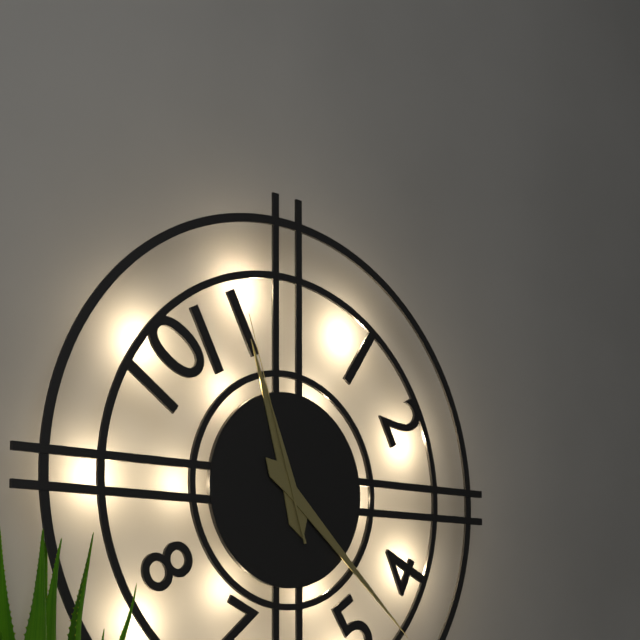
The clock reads 11h22m57s
